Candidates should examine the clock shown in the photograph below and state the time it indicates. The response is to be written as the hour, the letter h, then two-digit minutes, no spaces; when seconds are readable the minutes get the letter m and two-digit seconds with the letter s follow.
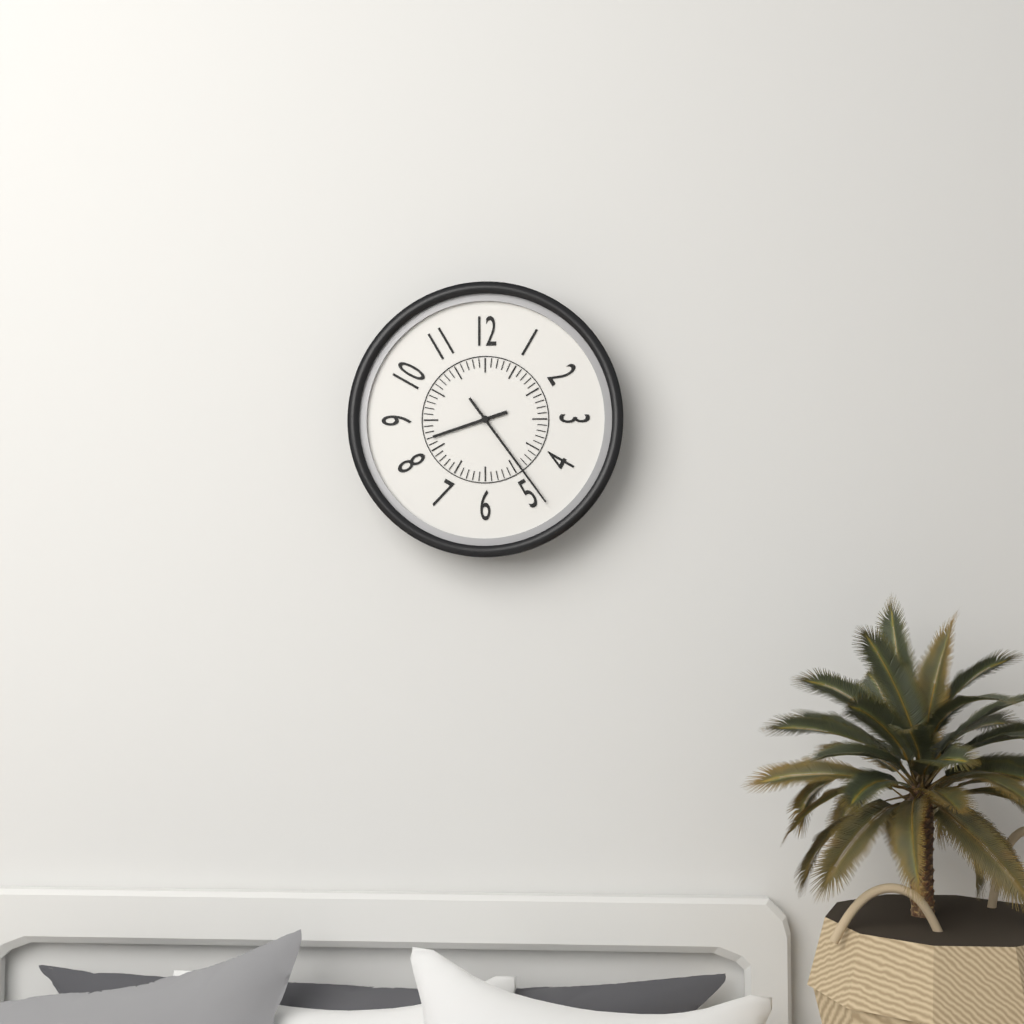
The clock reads 8h24
